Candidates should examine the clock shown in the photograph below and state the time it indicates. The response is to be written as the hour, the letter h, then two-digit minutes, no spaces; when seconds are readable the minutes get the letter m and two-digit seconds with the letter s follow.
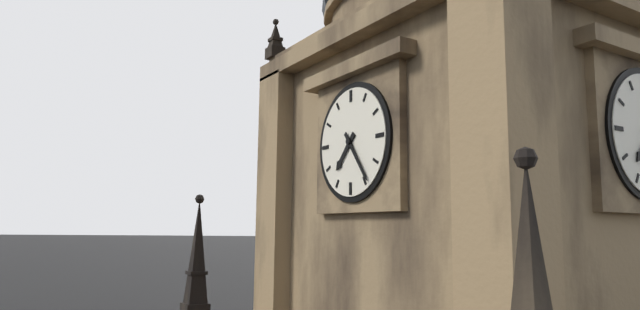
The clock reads 7h24
